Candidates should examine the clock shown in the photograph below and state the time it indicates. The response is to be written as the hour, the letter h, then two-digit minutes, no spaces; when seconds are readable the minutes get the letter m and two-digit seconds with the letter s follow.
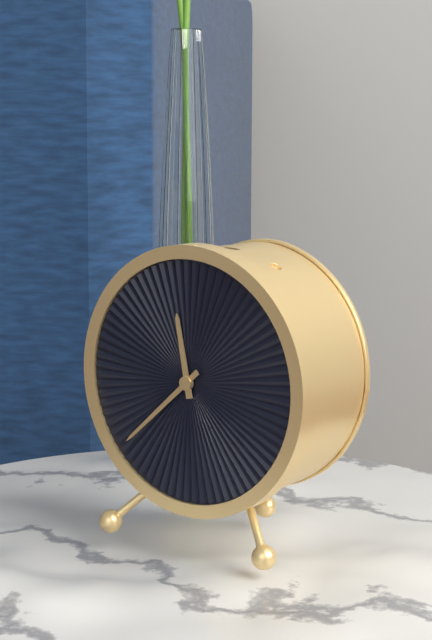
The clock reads 11h38
